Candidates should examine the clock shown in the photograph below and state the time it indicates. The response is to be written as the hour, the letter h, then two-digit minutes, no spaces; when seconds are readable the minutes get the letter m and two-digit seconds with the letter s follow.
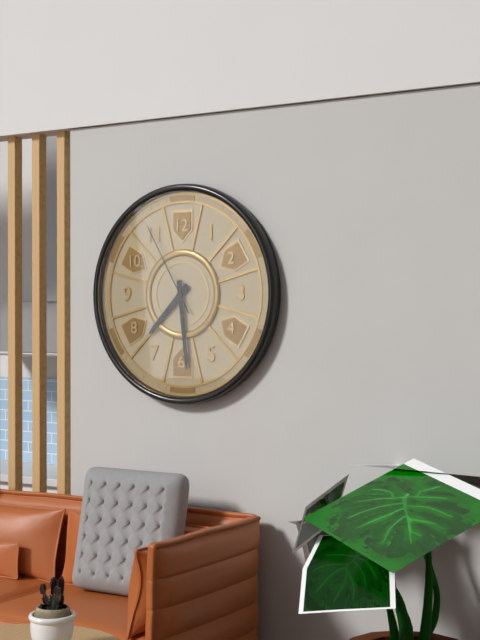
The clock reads 7h29m55s
